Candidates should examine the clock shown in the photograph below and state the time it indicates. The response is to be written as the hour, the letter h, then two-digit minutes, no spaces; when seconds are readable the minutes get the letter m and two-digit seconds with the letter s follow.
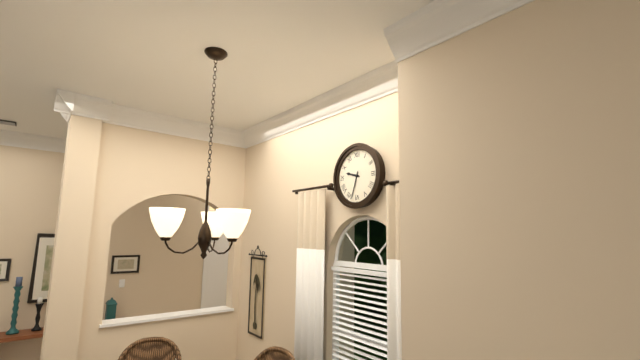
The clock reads 9h33
